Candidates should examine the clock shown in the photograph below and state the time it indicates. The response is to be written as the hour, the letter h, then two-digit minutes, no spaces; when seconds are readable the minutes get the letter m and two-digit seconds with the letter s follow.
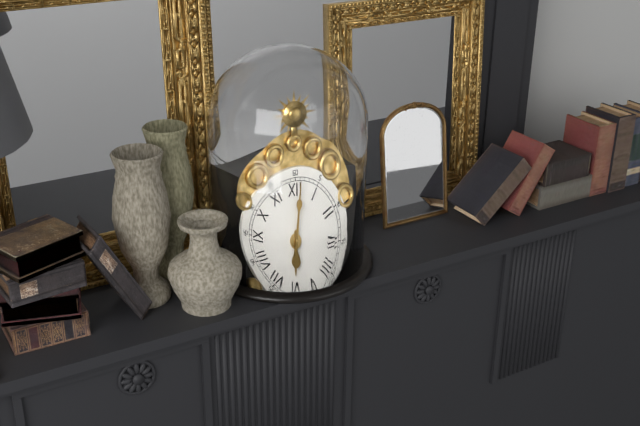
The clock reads 6h01
